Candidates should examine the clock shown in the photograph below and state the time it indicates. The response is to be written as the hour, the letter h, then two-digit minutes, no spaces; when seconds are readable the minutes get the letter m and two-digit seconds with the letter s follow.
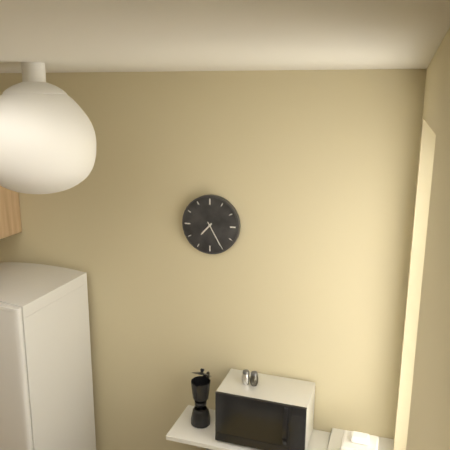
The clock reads 7h25
